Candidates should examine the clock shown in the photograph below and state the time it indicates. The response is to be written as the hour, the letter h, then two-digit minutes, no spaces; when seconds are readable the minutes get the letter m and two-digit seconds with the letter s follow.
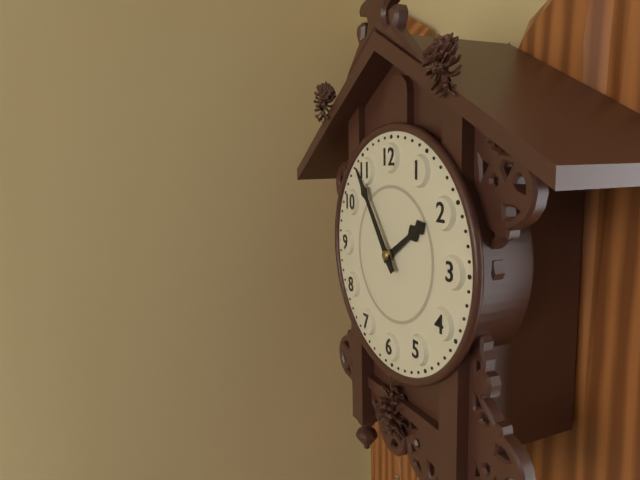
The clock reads 1h54
